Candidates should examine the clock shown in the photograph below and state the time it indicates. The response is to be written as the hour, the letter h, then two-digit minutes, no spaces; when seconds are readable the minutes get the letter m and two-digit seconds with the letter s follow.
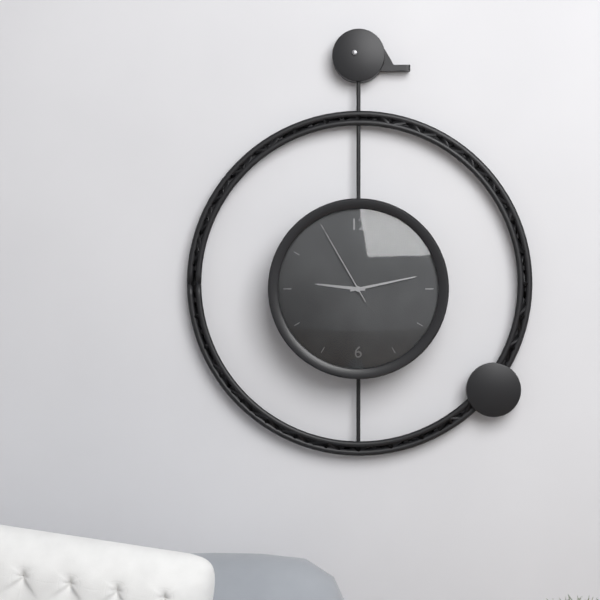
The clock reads 9h13m55s
